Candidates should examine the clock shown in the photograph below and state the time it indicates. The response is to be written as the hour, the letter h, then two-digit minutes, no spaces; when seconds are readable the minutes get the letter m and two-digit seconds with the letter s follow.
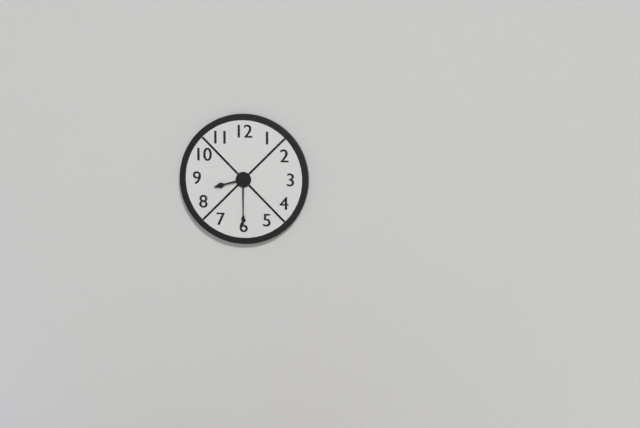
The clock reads 8h30
